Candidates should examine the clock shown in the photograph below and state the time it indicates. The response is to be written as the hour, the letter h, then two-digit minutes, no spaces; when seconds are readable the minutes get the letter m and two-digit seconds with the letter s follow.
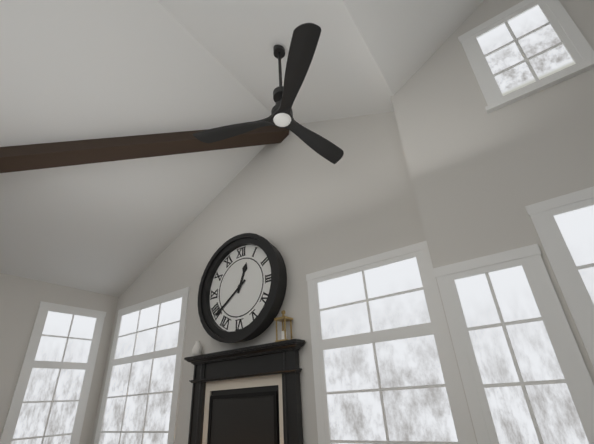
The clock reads 12h39
